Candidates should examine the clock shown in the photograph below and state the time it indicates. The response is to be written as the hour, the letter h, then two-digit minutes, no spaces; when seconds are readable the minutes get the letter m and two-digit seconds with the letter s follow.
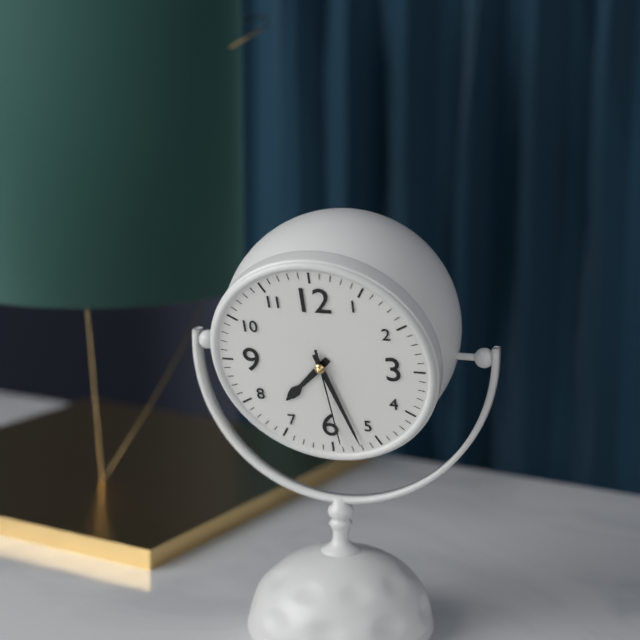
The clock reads 7h27m29s
